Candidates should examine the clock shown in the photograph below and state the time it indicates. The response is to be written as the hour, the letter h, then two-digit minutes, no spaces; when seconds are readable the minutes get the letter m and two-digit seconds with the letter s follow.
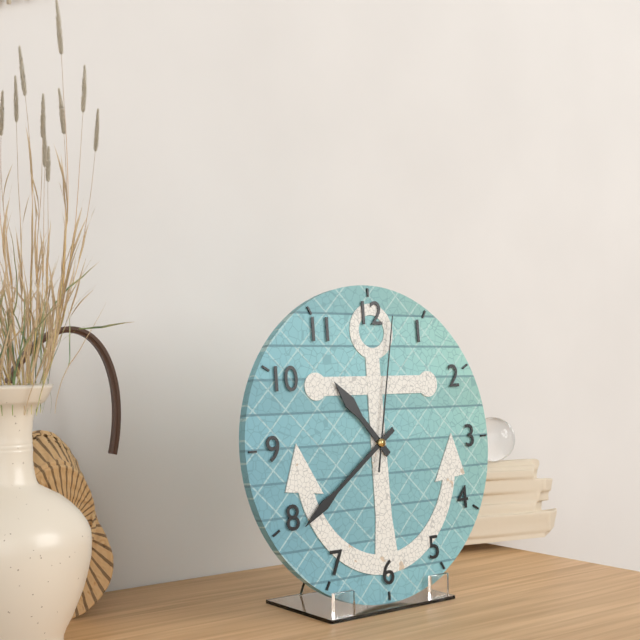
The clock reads 10h39m02s
